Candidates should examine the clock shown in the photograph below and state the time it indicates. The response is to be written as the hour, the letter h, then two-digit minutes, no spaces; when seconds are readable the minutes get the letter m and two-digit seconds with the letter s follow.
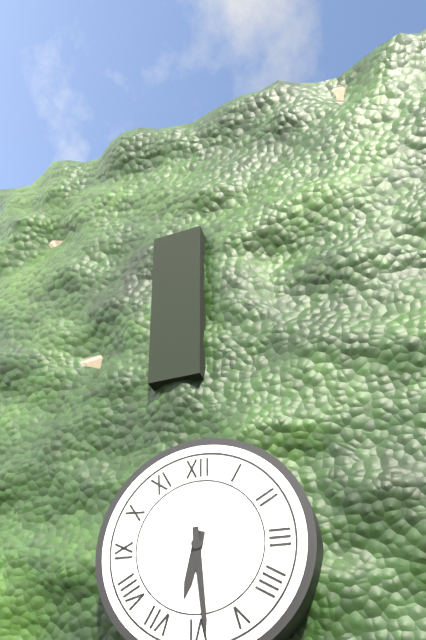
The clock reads 6h29
